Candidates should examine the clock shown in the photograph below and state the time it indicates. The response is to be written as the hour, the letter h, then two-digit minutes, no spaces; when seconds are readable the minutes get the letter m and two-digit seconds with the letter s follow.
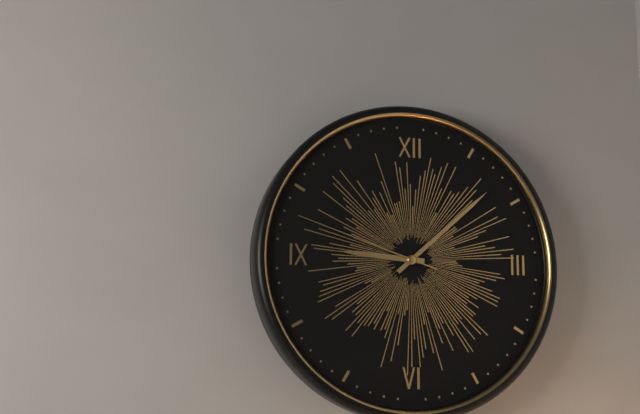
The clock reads 9h08m48s
